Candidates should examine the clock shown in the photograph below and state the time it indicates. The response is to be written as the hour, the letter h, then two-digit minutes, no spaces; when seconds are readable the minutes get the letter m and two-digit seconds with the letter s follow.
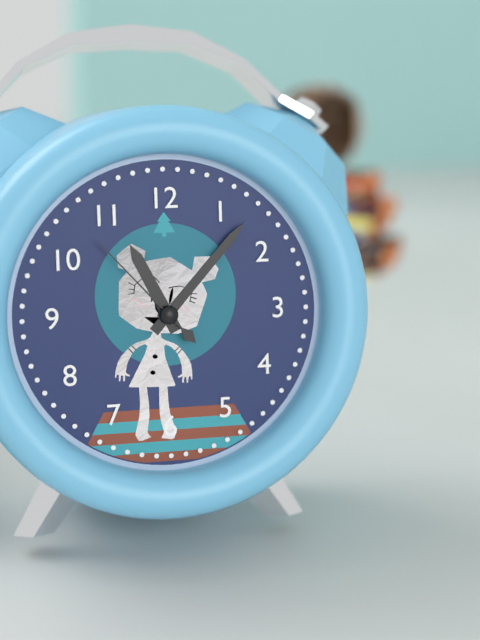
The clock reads 11h07m53s
